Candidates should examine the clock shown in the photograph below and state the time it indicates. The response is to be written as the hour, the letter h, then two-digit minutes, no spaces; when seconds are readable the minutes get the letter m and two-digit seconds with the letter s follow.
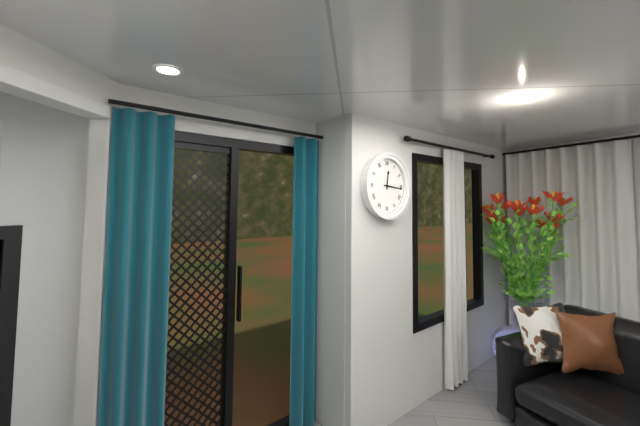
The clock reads 12h16
